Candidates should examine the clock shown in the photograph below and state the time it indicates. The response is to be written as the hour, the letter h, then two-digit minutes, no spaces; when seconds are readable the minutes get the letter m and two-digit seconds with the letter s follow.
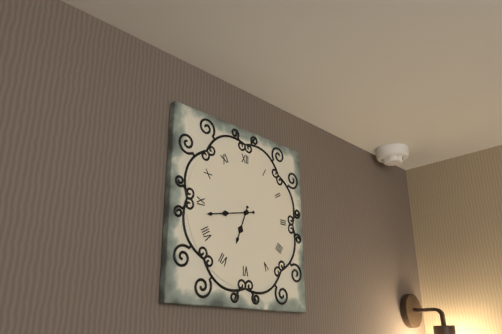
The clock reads 6h43
